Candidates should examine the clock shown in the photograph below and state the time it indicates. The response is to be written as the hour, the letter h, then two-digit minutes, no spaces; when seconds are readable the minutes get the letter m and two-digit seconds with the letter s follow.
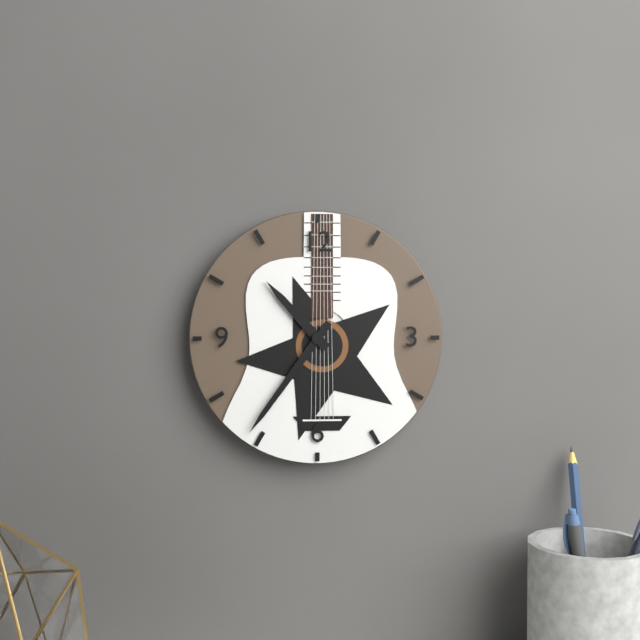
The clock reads 10h36
